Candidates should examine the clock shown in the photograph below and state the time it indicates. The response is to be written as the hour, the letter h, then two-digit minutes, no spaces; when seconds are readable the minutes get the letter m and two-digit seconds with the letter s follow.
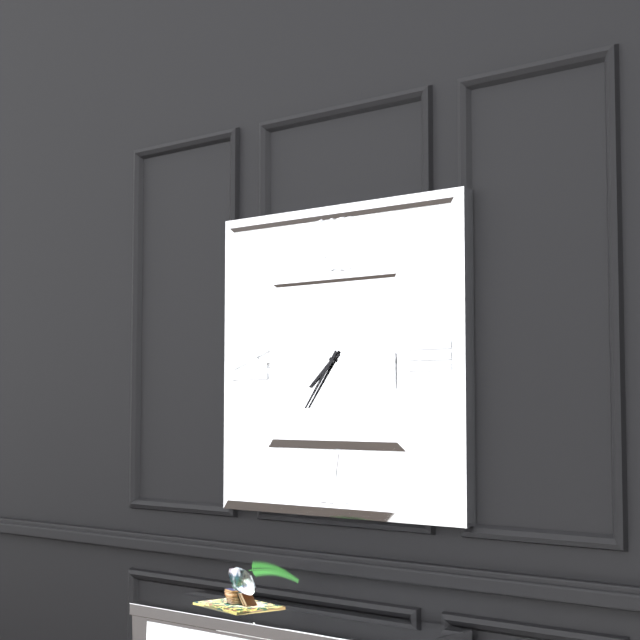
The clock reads 7h36
